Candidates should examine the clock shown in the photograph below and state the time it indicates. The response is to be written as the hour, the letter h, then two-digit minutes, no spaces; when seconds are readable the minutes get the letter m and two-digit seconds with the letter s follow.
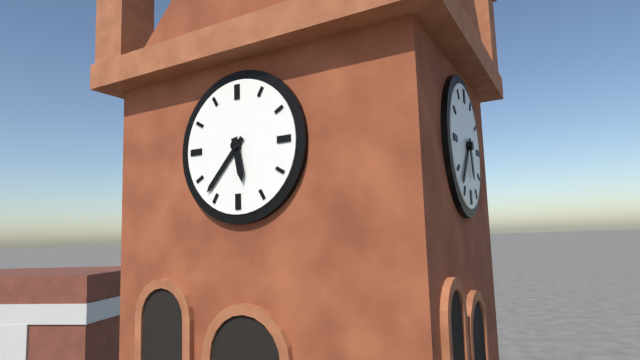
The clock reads 5h37
